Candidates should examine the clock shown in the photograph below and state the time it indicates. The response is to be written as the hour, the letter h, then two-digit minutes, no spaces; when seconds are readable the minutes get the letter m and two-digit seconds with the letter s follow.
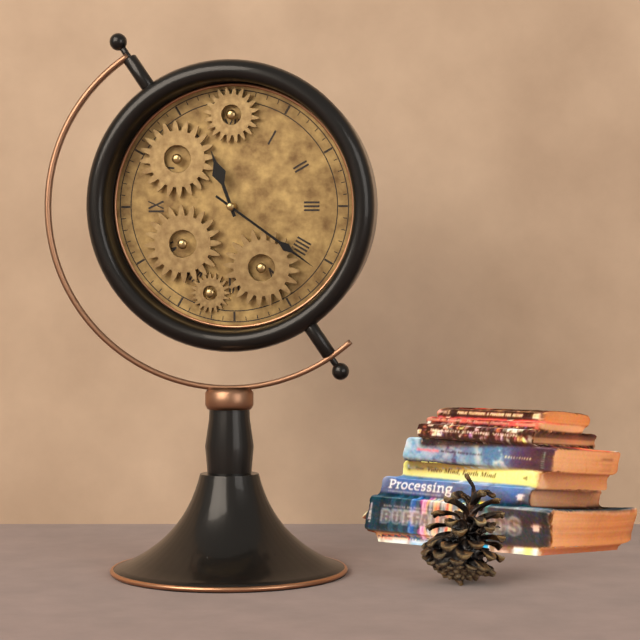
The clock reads 11h21
